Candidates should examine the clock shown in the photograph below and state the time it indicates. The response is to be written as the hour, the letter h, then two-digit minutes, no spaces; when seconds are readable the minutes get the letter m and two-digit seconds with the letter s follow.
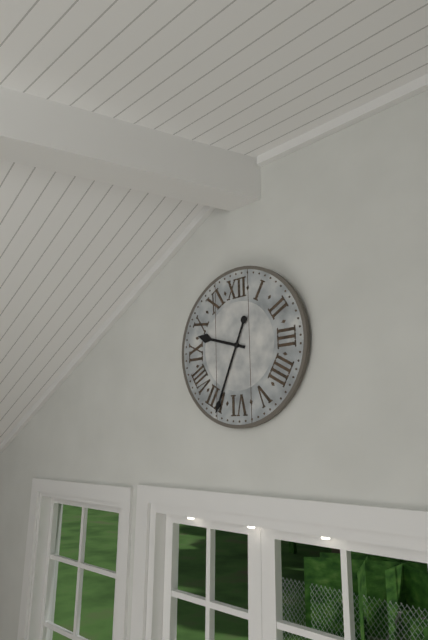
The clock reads 9h34
